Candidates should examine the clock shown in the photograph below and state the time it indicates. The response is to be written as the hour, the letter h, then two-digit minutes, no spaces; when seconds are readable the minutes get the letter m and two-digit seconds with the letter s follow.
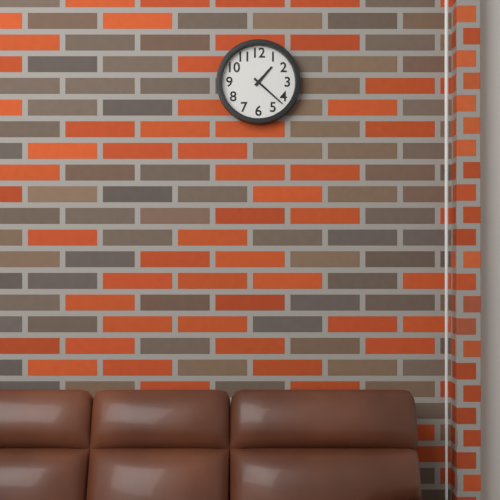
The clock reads 1h22
